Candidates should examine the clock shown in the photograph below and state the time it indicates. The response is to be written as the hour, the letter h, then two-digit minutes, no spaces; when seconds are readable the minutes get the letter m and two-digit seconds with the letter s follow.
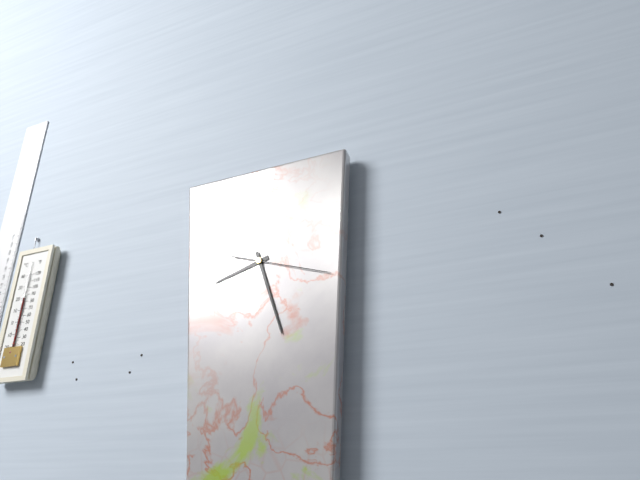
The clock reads 8h27m18s
